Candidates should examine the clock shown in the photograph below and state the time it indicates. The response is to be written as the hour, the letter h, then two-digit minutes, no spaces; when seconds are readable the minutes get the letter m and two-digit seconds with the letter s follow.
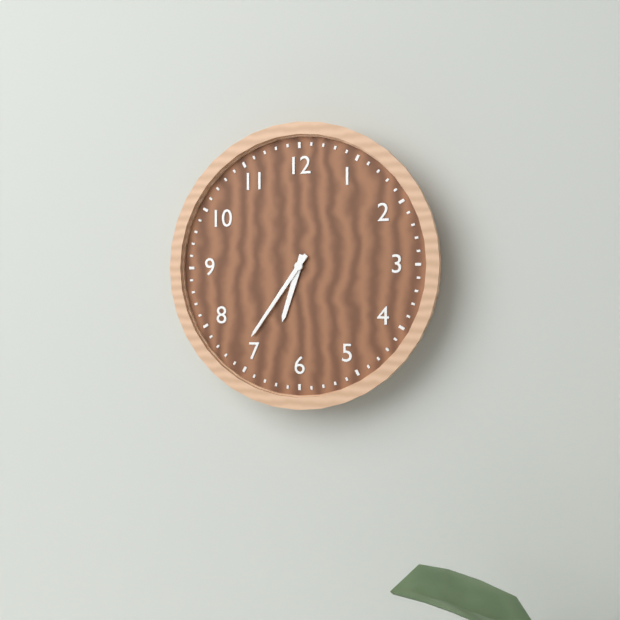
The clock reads 6h36
